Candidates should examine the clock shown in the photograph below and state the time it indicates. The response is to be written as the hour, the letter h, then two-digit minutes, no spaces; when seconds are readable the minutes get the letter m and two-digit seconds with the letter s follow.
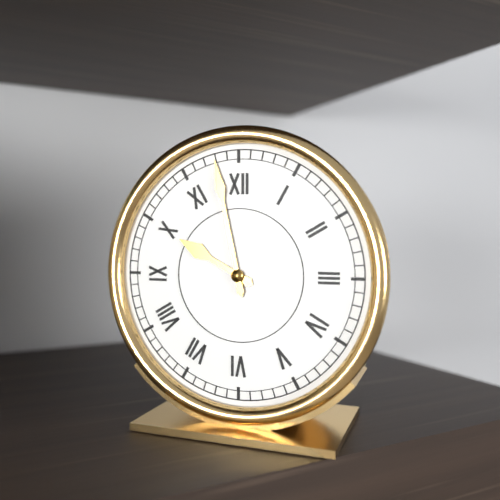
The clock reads 9h58
